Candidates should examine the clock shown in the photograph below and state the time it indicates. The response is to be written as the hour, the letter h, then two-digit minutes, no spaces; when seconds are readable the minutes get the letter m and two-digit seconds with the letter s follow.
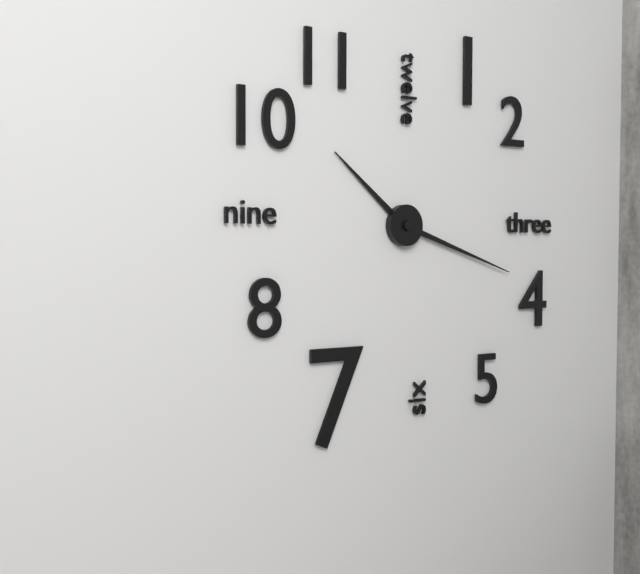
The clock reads 10h18
